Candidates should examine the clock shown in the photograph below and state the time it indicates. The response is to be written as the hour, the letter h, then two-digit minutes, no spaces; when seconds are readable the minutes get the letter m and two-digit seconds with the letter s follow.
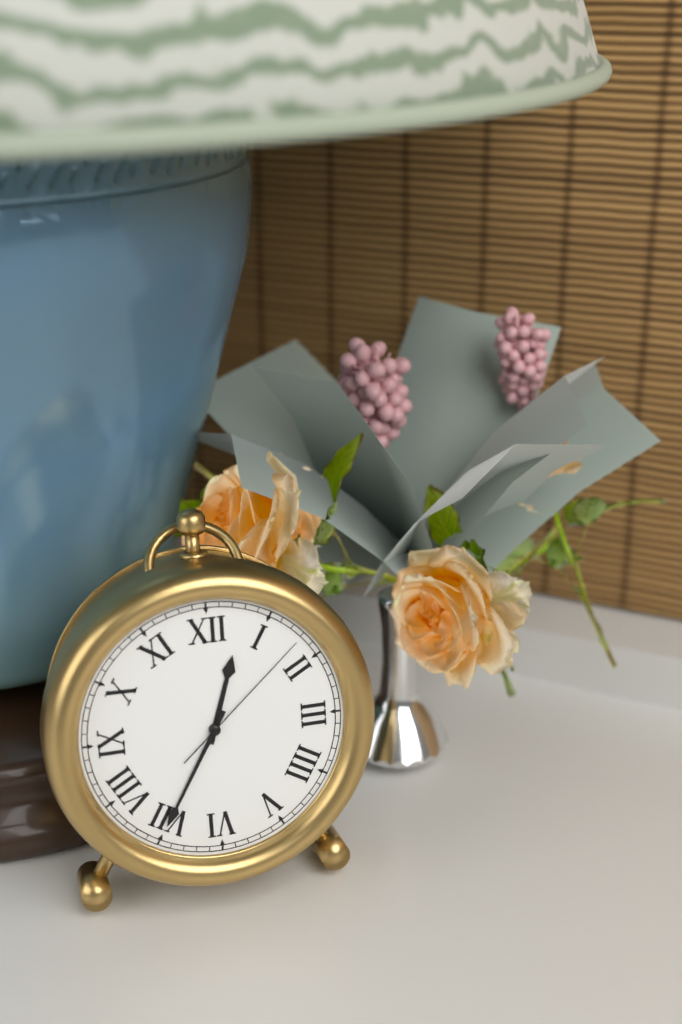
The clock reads 12h35m08s
